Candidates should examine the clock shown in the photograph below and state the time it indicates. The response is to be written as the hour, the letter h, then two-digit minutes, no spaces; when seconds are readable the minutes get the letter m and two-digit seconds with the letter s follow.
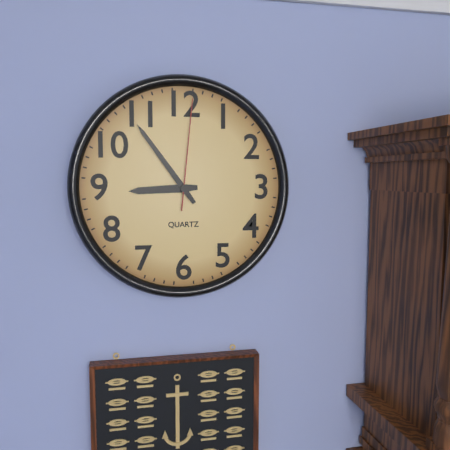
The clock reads 8h54m01s
